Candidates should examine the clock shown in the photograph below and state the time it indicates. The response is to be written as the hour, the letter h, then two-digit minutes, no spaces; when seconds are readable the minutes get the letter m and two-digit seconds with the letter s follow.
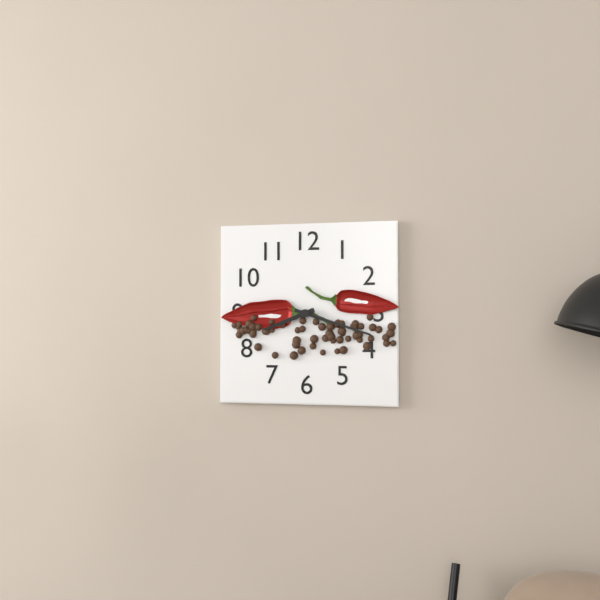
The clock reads 8h18
